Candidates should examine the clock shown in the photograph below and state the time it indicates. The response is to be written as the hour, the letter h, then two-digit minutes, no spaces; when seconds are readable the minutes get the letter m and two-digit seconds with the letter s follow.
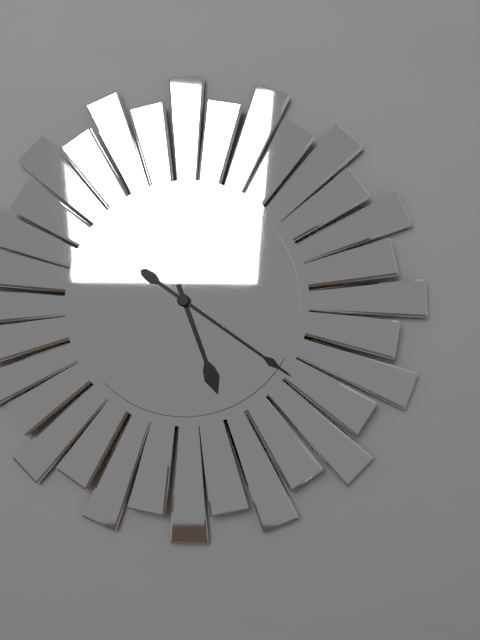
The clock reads 5h21
